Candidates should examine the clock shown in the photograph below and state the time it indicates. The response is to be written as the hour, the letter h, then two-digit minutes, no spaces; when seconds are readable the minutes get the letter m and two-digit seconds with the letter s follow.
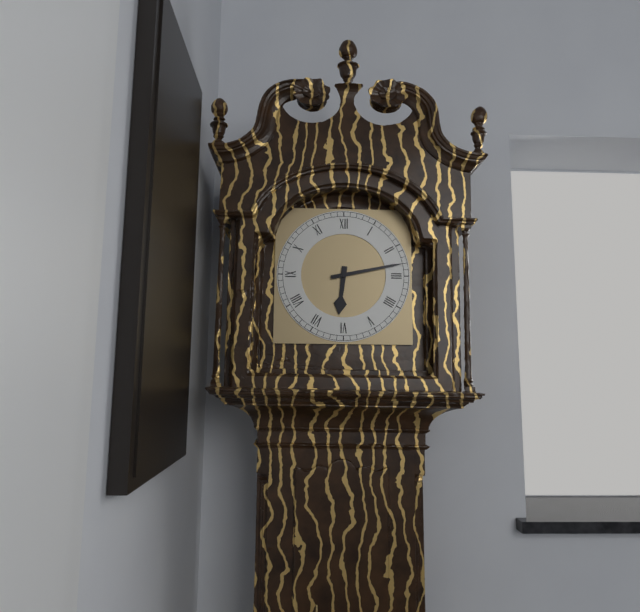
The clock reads 6h13
